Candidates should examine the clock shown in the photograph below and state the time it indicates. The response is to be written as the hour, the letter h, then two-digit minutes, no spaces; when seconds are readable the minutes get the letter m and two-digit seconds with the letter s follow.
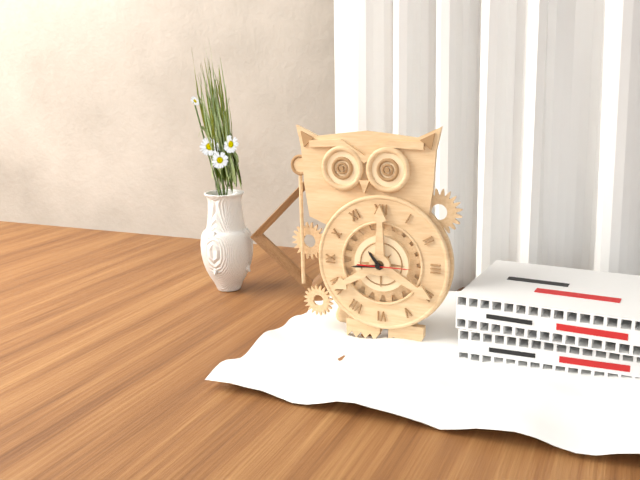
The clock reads 10h44
